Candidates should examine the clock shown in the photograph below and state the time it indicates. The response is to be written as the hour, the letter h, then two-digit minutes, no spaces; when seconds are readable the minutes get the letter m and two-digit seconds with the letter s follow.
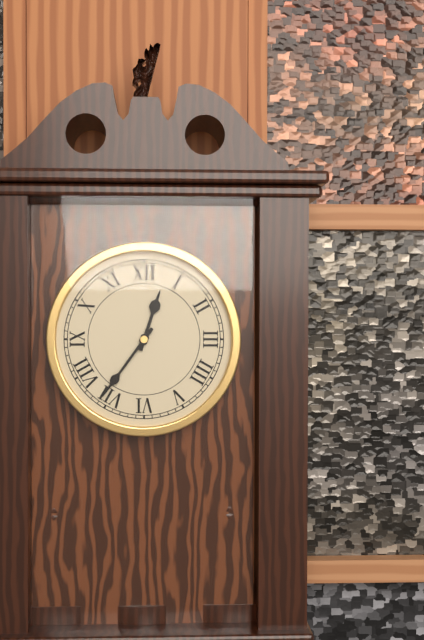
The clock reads 12h36
